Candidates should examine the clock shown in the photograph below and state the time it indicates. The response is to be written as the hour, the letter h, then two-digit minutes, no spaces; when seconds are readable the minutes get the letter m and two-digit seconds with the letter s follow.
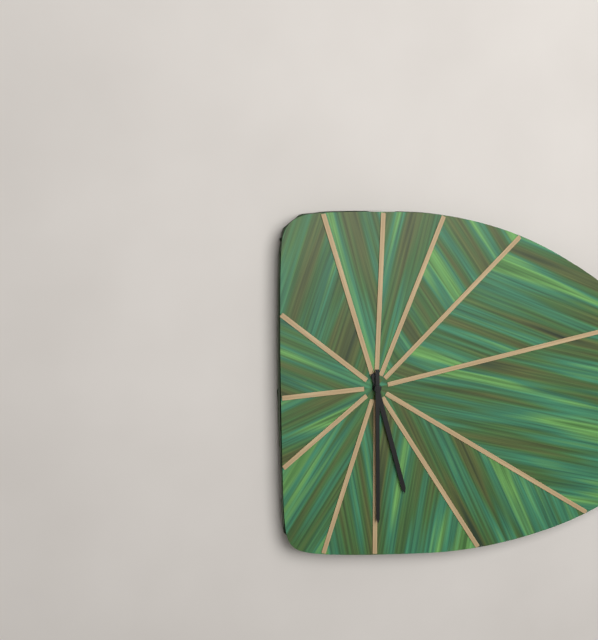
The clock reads 5h30
